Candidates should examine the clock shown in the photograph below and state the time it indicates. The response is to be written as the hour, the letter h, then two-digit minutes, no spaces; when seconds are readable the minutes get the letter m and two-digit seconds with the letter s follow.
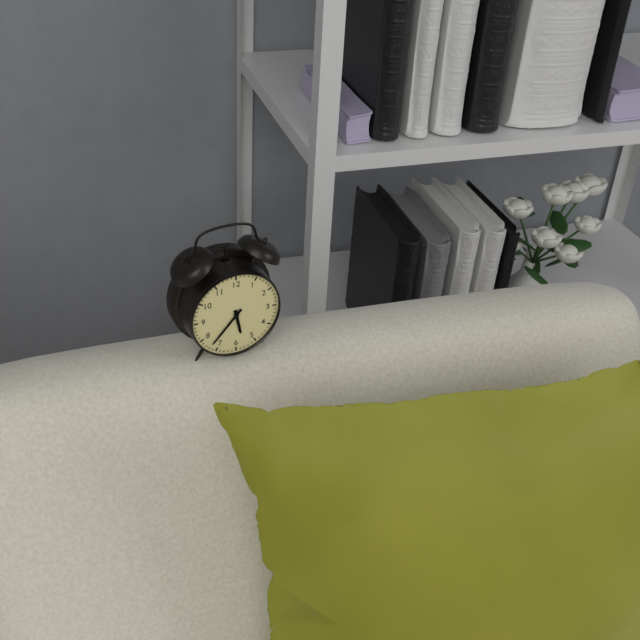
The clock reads 5h37
